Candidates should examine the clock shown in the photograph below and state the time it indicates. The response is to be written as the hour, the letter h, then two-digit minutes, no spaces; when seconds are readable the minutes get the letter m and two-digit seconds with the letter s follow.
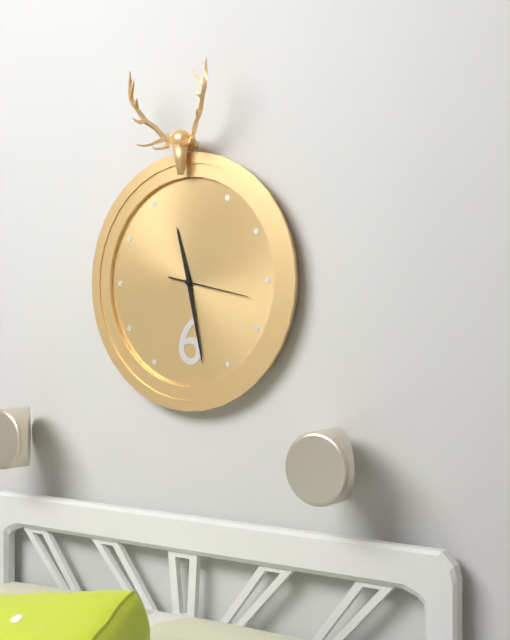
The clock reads 11h28m17s
